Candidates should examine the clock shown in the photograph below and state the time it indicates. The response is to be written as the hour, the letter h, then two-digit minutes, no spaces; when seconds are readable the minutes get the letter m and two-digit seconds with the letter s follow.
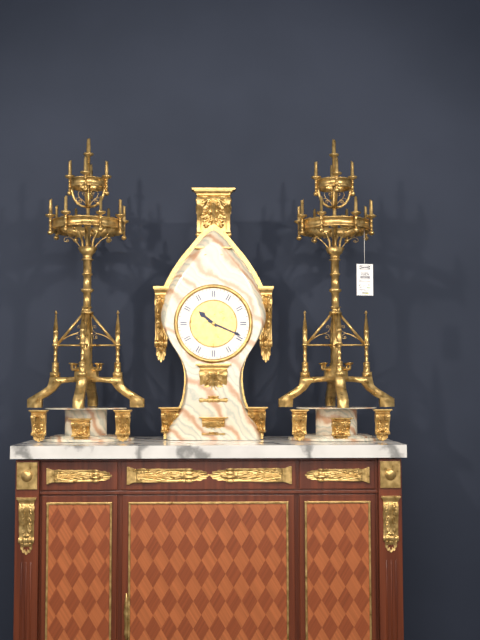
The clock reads 10h19
